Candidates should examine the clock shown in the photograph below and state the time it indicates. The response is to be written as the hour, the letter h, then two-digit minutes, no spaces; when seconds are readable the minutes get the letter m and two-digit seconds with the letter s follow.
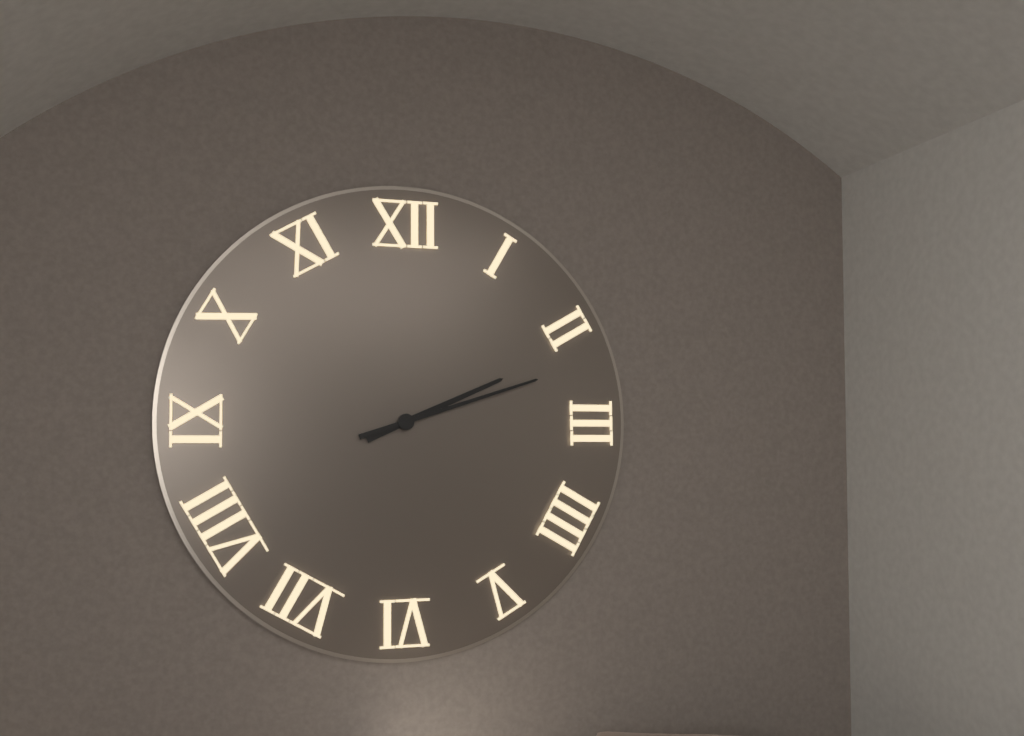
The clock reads 2h12
